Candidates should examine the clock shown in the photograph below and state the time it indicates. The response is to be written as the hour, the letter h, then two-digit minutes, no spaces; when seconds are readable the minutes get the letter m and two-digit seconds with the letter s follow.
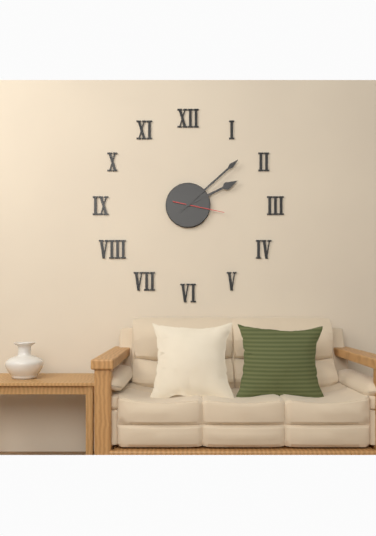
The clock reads 2h08
